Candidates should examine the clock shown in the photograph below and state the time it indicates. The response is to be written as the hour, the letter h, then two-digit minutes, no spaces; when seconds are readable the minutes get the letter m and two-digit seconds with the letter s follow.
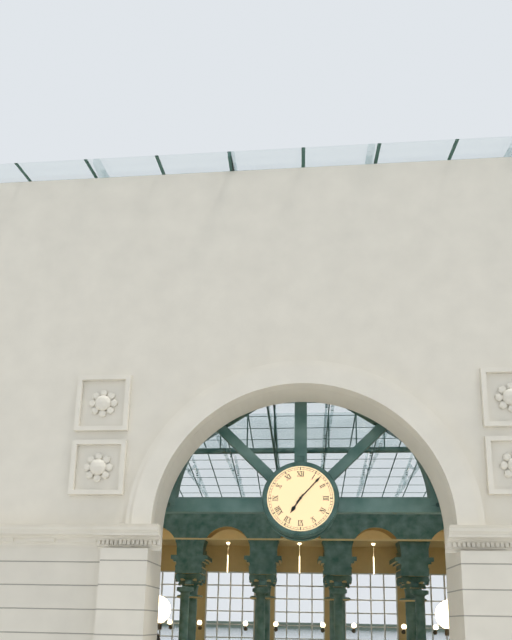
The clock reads 7h07
